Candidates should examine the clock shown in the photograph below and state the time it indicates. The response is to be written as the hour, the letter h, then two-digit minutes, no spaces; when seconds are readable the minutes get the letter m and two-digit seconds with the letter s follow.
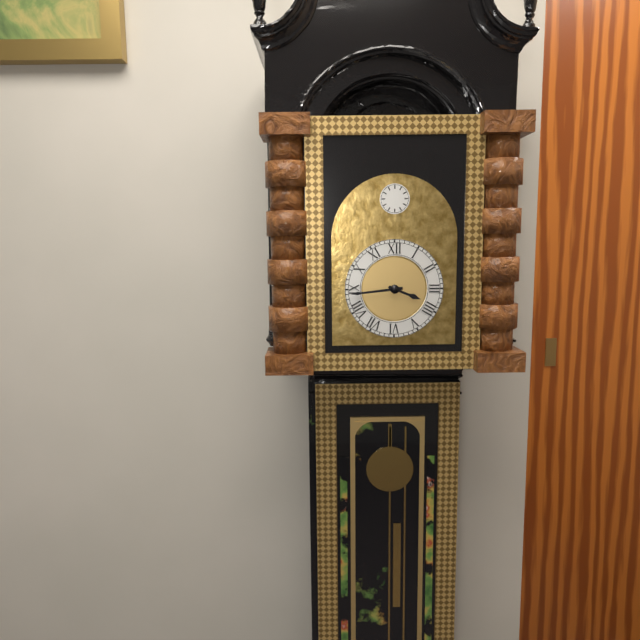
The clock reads 3h44
